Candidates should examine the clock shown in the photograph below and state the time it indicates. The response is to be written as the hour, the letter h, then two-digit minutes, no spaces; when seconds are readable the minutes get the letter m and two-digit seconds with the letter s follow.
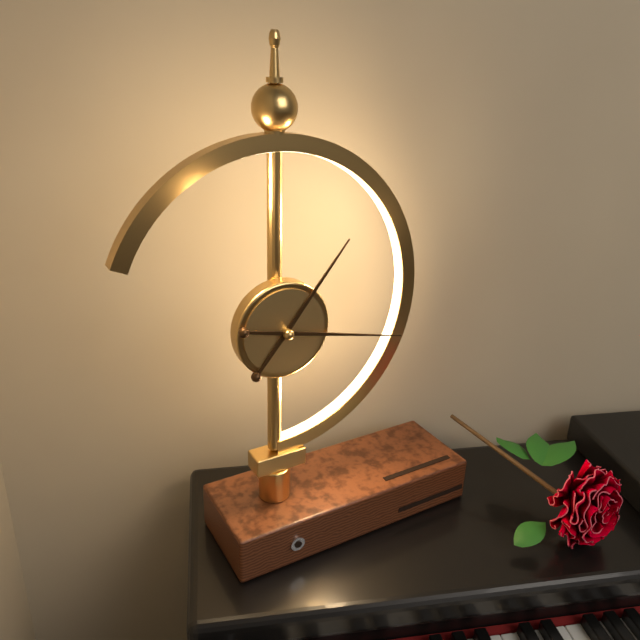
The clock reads 1h17
